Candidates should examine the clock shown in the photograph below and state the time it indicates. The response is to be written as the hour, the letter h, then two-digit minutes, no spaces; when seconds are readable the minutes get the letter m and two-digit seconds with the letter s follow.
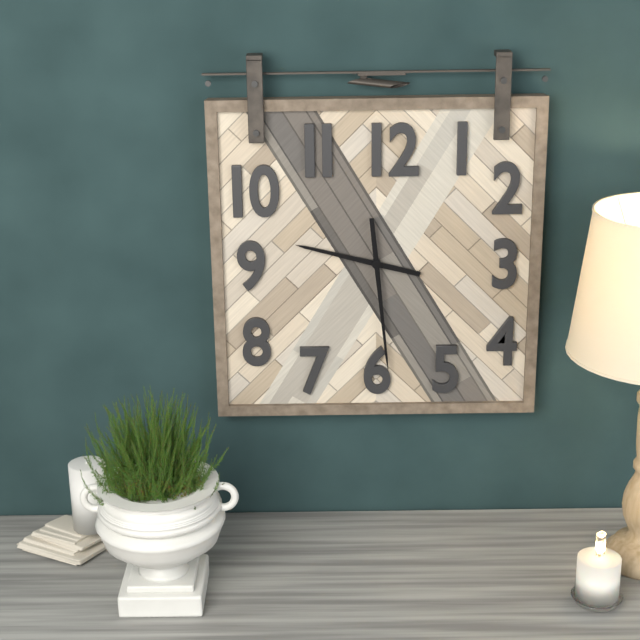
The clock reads 9h29
